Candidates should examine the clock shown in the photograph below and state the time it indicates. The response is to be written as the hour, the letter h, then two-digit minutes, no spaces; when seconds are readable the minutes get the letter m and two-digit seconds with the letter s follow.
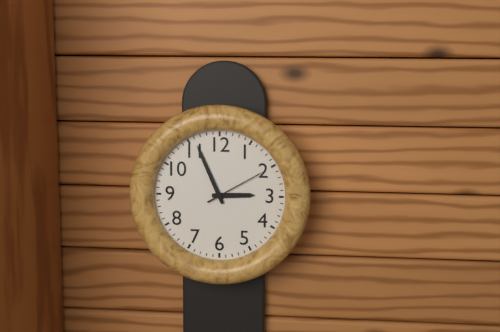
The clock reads 2h56m10s
